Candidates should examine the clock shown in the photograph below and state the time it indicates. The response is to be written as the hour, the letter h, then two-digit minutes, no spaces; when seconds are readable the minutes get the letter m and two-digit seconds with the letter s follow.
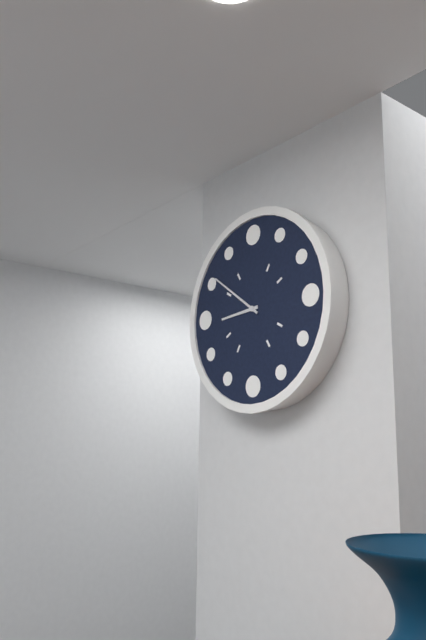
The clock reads 8h51
